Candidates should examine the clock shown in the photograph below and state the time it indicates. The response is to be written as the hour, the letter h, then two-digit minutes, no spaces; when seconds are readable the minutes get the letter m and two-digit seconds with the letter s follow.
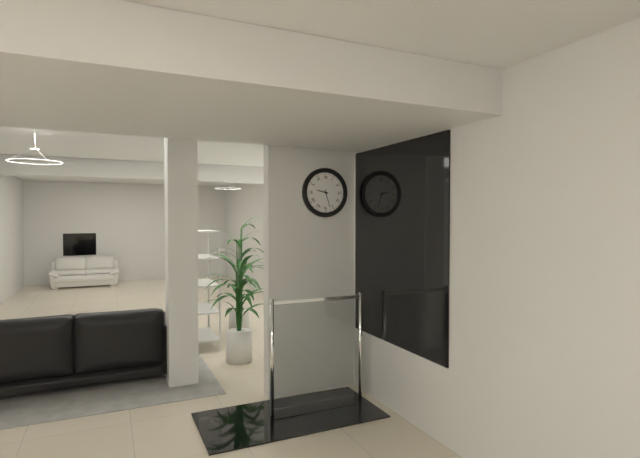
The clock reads 9h27
